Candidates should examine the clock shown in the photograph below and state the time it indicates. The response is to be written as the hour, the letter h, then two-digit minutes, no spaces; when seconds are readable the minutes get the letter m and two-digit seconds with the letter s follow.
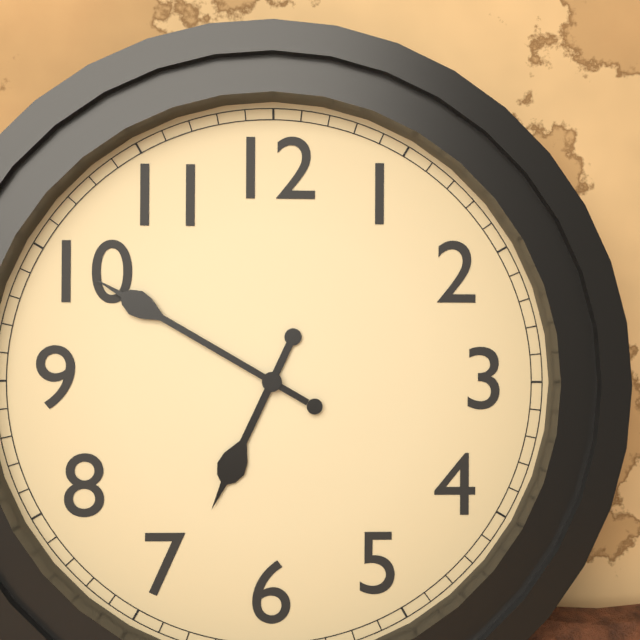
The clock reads 6h50
